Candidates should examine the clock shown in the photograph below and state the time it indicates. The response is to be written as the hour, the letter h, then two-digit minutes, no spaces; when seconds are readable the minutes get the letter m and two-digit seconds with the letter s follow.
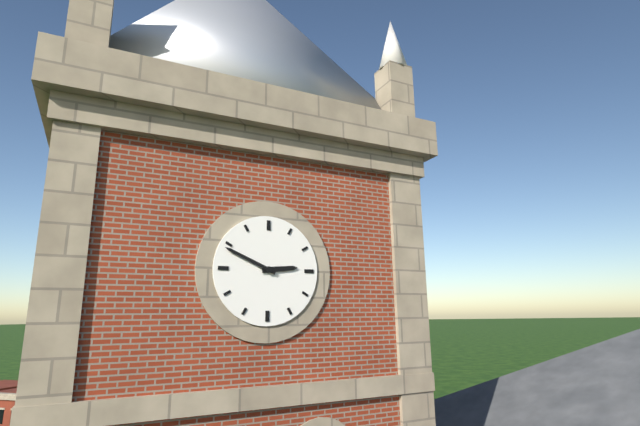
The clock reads 2h49
